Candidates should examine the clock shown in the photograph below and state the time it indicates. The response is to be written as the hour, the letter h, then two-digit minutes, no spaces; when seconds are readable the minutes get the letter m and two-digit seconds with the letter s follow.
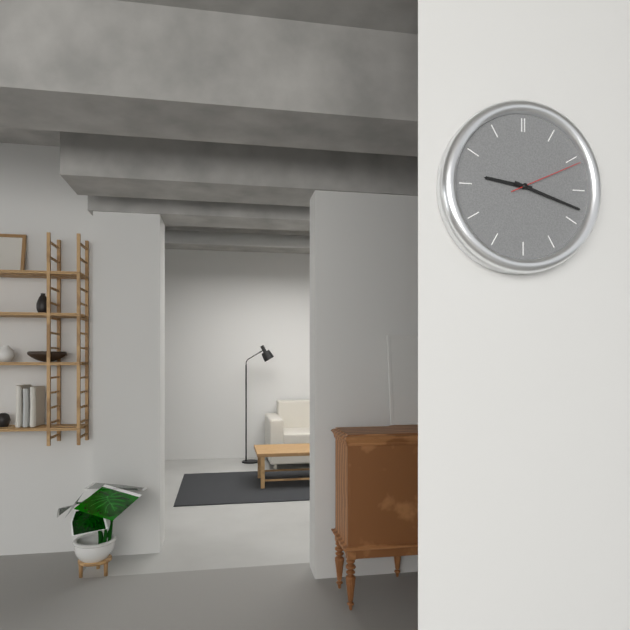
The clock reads 9h18m11s
